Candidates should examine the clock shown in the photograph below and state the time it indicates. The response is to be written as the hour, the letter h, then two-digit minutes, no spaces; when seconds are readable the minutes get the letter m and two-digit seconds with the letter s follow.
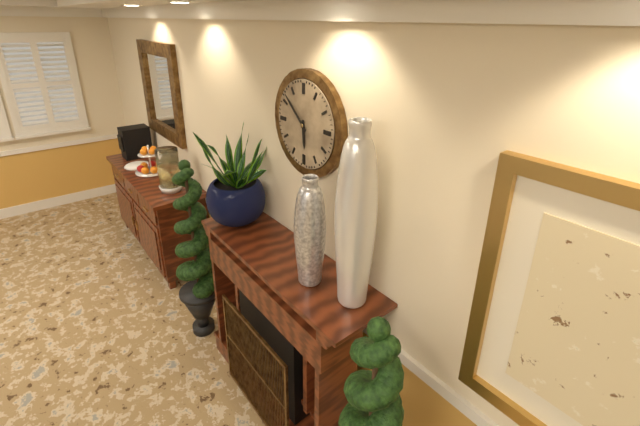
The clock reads 5h52
